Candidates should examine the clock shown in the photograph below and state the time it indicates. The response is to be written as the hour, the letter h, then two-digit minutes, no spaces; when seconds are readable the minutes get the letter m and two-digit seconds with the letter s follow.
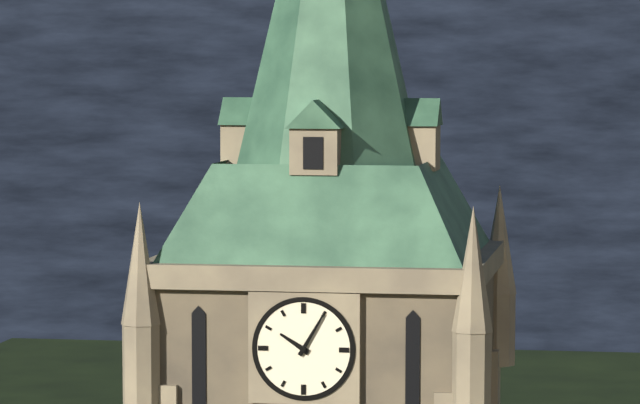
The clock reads 10h05
